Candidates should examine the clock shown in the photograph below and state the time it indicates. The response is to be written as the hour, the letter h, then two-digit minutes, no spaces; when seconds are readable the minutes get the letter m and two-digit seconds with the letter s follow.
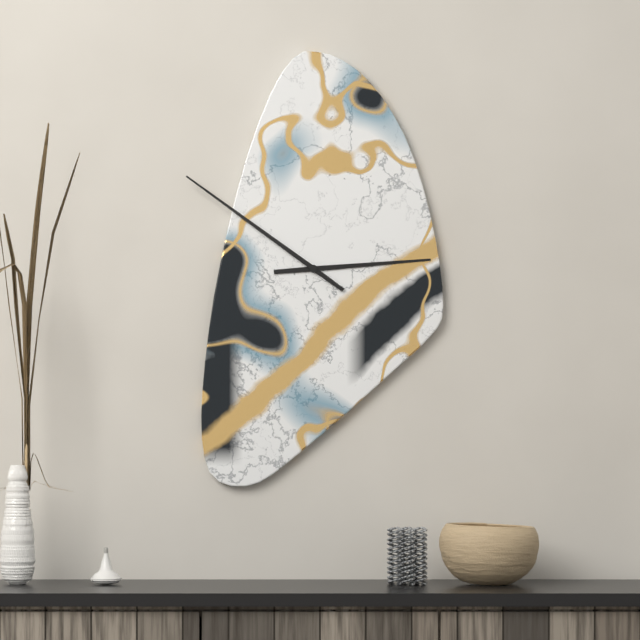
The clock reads 2h51
